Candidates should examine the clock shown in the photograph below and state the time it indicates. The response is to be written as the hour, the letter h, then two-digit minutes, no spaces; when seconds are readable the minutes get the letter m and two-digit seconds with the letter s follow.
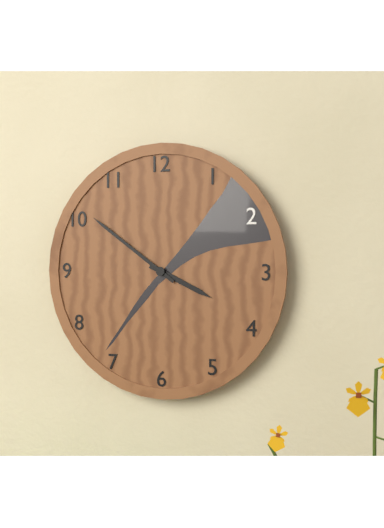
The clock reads 3h51
